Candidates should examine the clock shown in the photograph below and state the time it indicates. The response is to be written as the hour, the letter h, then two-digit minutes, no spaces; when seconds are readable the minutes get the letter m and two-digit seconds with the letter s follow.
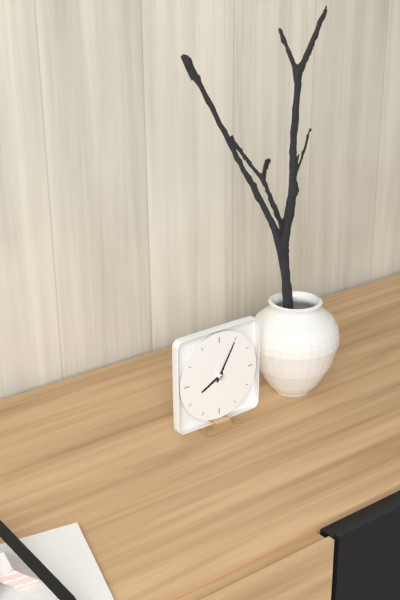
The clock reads 8h05
